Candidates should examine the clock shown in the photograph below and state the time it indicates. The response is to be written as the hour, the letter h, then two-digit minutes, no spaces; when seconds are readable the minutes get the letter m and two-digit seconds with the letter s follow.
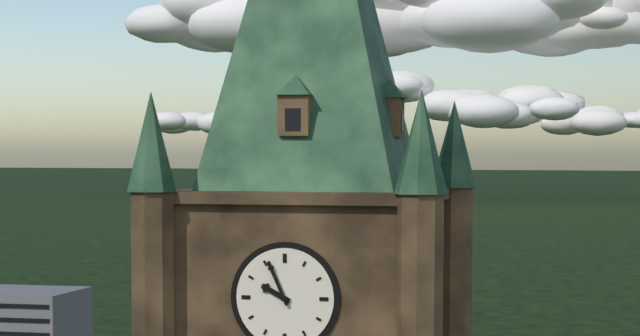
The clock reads 9h56
